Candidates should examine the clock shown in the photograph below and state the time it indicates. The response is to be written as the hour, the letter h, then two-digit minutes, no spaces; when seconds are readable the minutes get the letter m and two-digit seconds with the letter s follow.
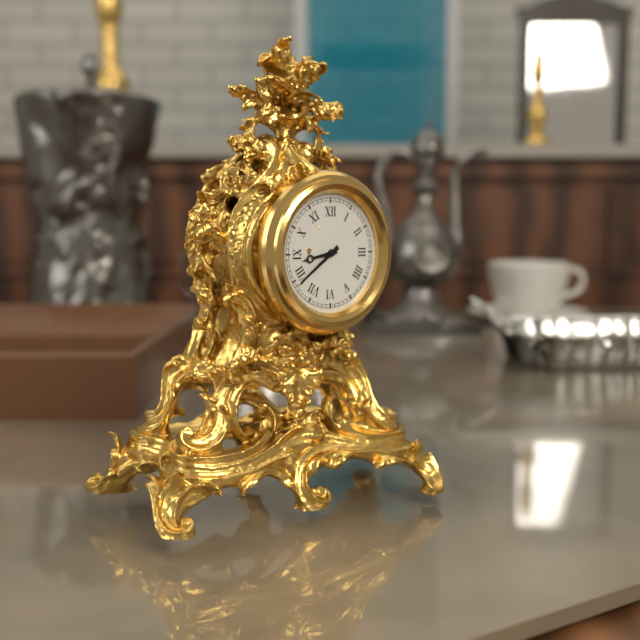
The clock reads 8h39
